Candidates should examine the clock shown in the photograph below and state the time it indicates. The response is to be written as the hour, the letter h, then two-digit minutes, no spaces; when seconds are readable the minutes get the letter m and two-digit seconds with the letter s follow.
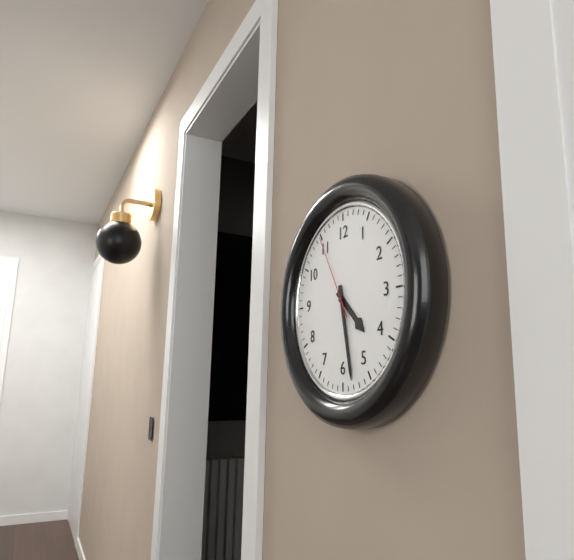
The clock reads 4h28m55s
